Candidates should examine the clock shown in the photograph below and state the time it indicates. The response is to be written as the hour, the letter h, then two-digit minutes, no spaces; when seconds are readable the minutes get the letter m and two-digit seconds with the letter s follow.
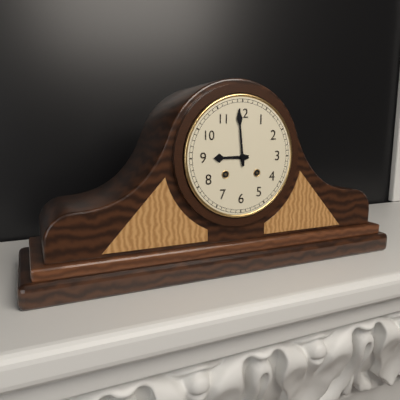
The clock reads 8h59
